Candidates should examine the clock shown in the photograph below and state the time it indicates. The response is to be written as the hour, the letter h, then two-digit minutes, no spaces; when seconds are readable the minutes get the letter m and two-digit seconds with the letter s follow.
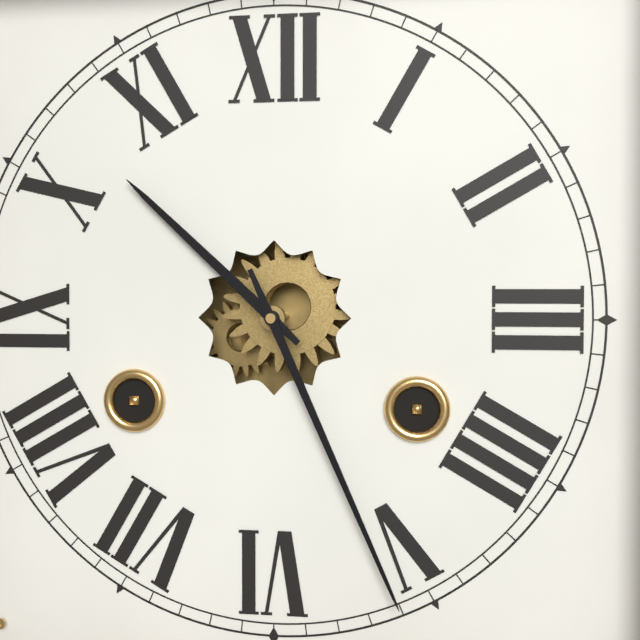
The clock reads 10h26
